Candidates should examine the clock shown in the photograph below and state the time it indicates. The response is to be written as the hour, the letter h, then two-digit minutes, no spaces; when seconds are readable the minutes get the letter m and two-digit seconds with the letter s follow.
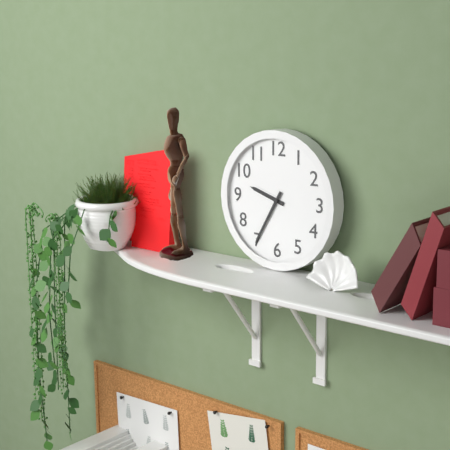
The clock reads 9h35
